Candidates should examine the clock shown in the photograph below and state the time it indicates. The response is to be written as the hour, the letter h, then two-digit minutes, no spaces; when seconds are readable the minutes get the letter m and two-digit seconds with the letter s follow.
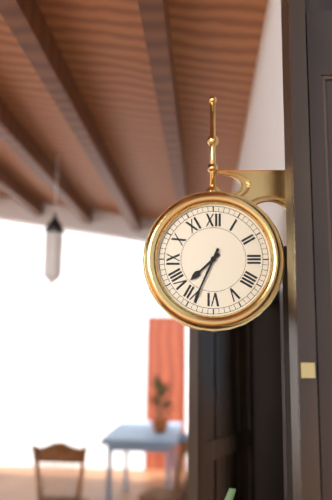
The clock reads 7h34
